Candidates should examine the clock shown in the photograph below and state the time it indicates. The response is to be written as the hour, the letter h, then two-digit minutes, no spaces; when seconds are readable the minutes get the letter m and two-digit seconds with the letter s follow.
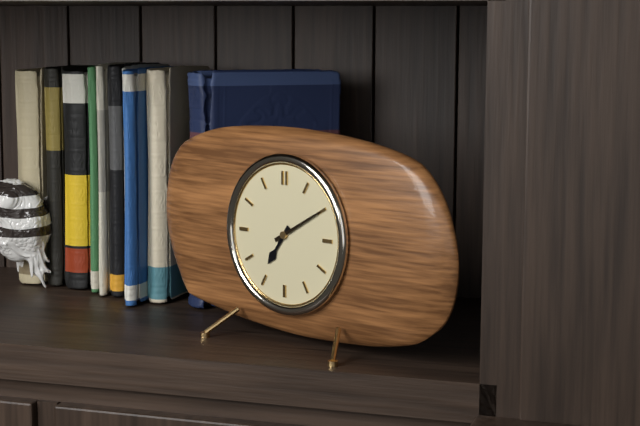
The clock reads 7h10
